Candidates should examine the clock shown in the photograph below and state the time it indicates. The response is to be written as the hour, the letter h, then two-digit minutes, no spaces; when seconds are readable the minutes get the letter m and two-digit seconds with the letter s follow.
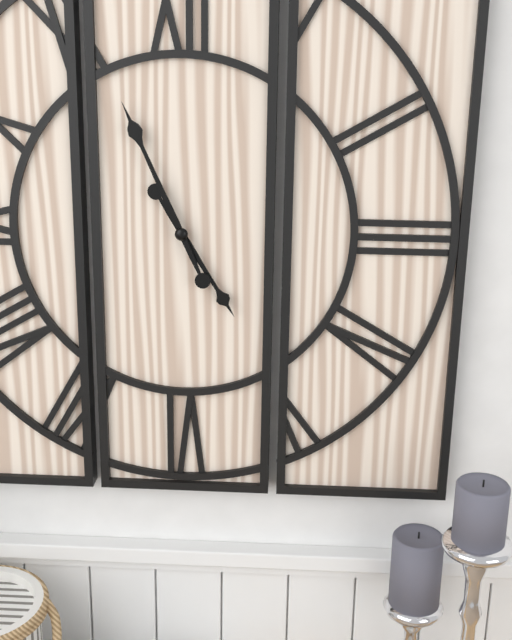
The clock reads 4h56
